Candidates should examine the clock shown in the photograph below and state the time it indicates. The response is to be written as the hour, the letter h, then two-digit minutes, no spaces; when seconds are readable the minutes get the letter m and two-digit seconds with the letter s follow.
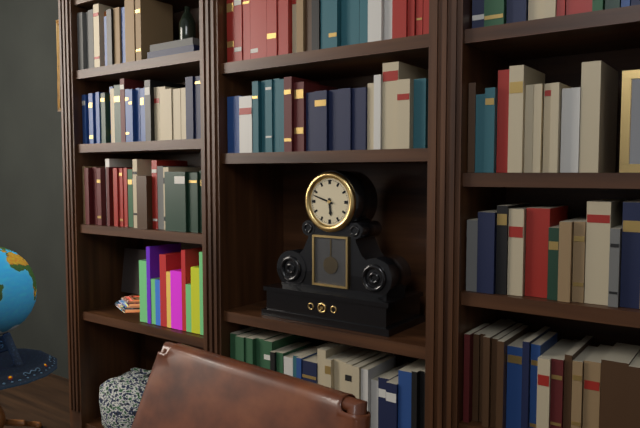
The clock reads 5h48
